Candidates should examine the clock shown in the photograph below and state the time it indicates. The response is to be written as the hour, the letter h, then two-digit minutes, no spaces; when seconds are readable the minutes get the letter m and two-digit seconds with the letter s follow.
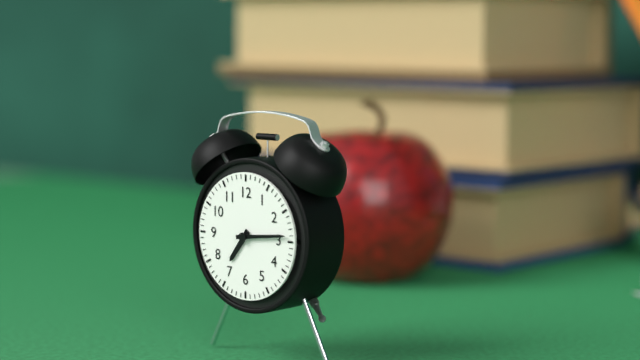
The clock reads 7h14
